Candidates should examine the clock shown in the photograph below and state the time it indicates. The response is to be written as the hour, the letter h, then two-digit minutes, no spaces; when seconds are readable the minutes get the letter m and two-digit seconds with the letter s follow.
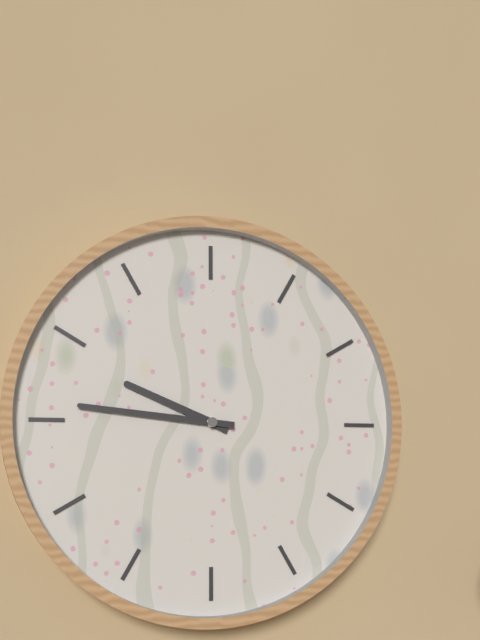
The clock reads 9h46
